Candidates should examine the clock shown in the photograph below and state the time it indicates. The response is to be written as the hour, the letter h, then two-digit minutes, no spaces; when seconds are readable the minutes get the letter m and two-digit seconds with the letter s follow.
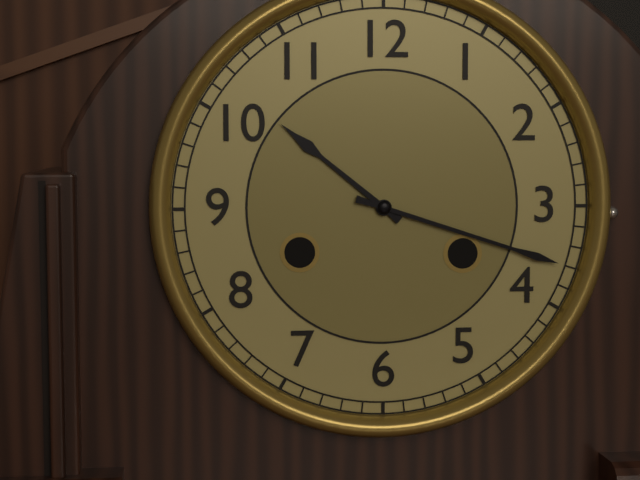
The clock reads 10h18
